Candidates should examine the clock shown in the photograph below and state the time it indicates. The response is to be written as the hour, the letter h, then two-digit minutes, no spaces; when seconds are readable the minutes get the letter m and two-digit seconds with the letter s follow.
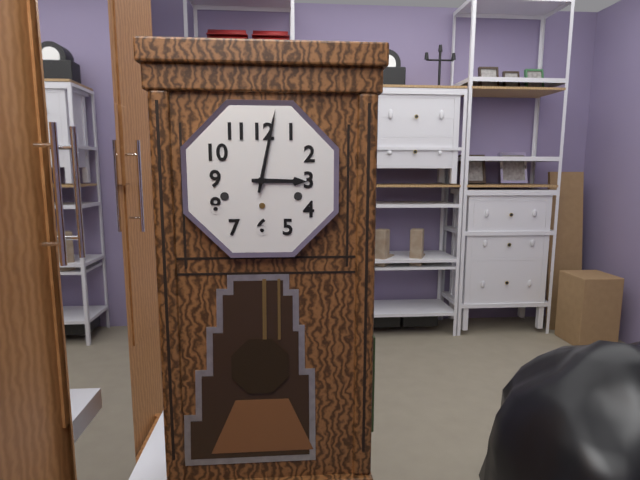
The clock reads 3h02
